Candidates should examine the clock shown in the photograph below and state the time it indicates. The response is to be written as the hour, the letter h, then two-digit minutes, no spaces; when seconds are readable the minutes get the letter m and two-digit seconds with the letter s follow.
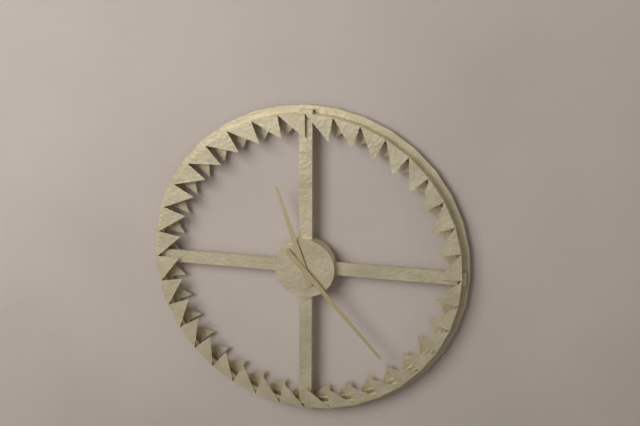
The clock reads 11h23
